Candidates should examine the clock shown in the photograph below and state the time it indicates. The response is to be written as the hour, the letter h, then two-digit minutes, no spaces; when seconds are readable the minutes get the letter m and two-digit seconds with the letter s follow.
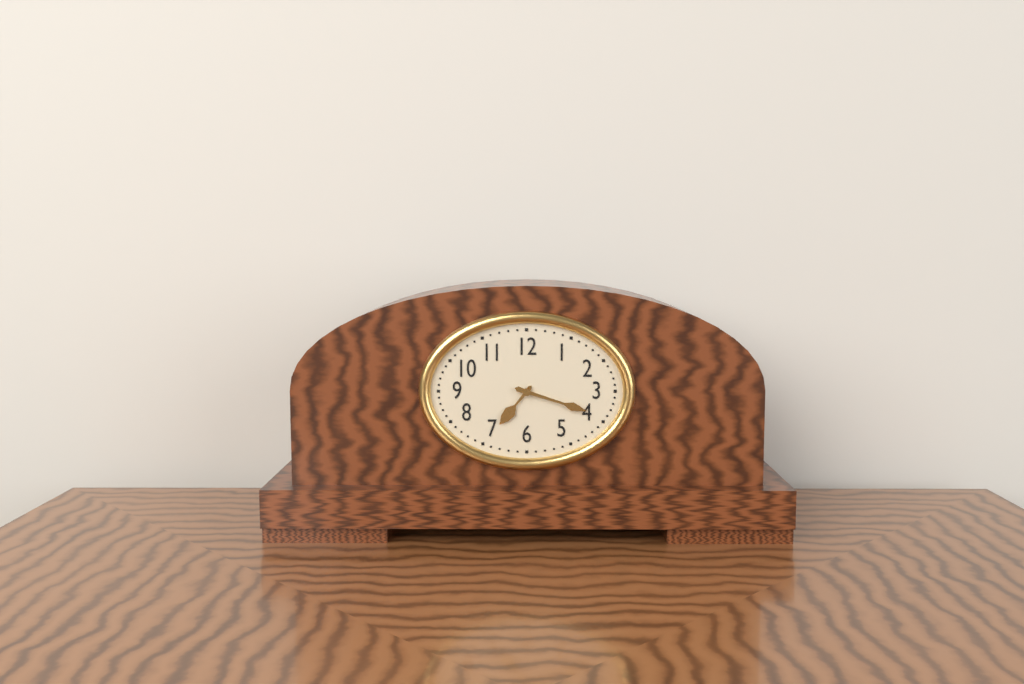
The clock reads 7h18
